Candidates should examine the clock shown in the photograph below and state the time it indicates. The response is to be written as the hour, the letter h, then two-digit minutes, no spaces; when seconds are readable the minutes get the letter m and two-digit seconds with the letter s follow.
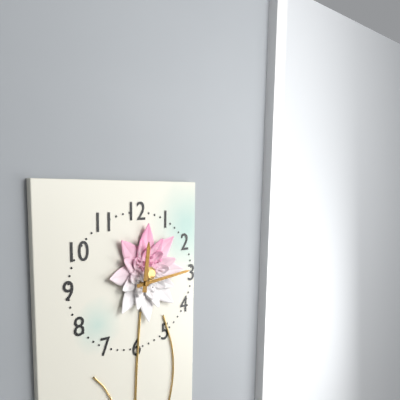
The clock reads 12h14
